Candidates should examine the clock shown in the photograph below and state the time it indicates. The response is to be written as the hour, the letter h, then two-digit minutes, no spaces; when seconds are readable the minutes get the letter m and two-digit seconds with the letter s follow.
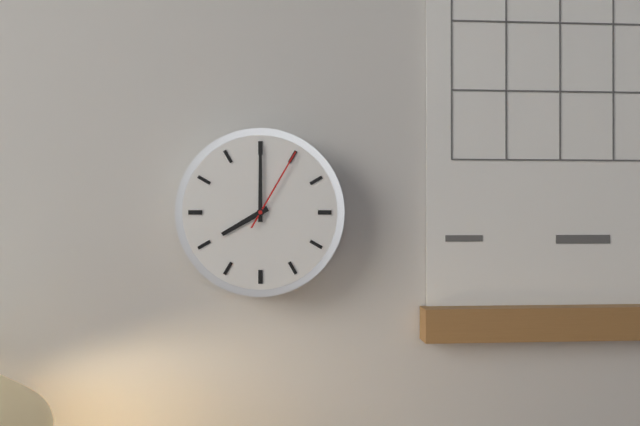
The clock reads 8h00m05s
